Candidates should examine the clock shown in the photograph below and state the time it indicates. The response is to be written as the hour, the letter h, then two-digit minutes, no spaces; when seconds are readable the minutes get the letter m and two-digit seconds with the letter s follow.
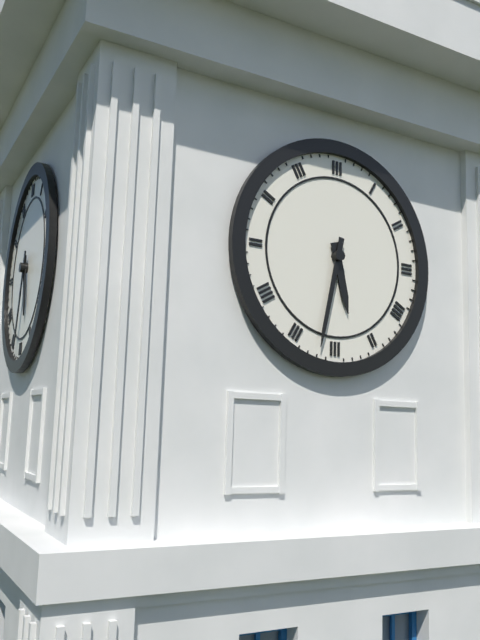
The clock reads 5h32
